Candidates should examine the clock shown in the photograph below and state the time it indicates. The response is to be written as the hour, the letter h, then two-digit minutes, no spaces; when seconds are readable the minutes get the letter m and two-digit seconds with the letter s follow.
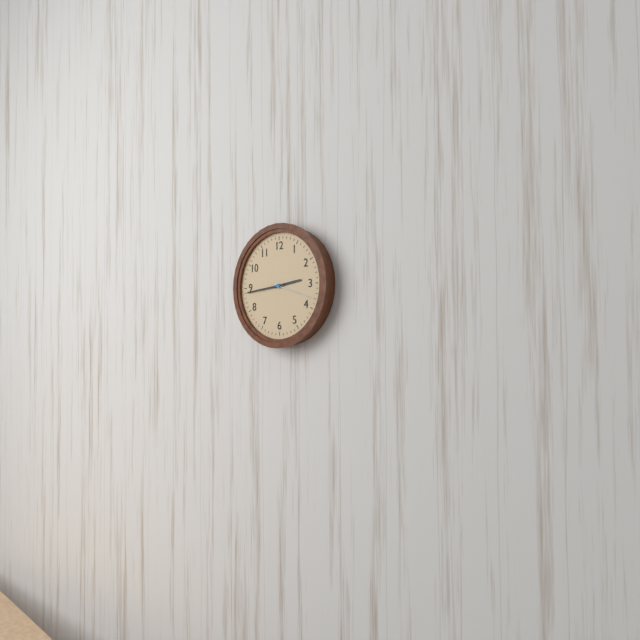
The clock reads 2h44
